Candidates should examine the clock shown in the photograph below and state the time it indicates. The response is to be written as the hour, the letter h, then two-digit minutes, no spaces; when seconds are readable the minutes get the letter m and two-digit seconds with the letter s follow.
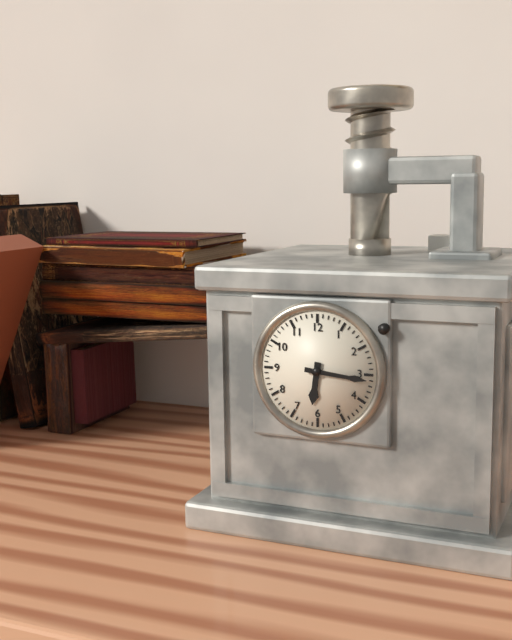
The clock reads 6h16
